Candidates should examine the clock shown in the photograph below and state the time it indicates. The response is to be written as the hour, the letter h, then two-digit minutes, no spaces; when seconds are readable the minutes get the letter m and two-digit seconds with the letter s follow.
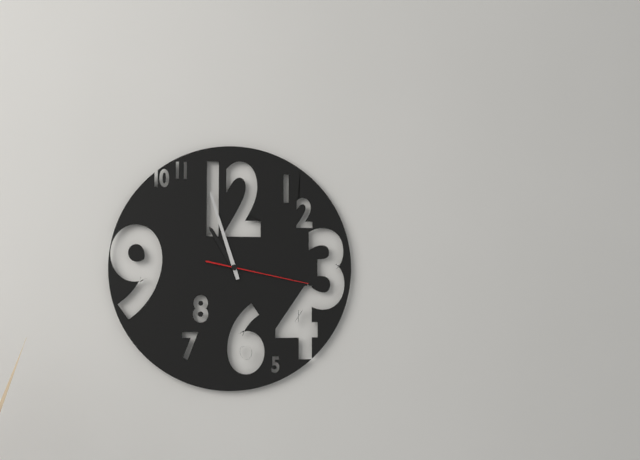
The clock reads 10h57m17s
